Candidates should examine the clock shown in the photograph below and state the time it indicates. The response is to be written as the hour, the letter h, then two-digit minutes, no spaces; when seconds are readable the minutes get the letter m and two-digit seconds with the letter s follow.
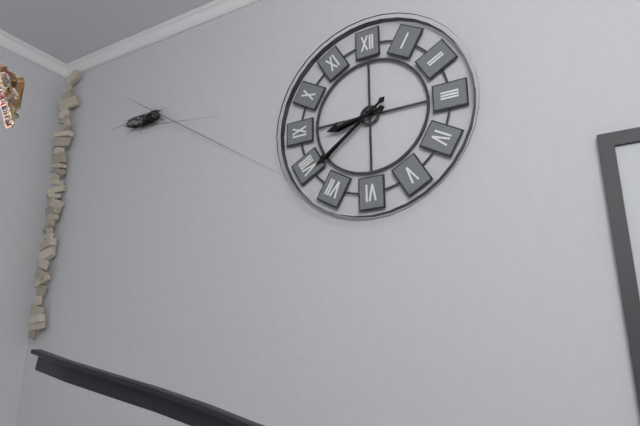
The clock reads 8h39
